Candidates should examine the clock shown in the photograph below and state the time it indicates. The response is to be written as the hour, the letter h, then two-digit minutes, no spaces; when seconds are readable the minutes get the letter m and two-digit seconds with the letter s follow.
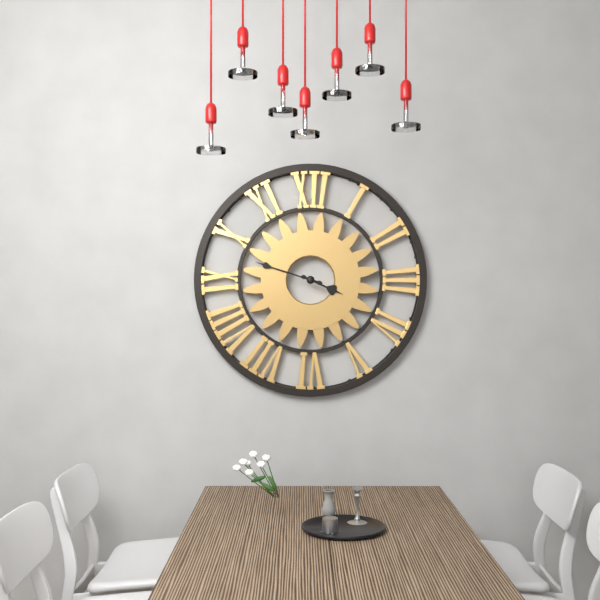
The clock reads 3h48
